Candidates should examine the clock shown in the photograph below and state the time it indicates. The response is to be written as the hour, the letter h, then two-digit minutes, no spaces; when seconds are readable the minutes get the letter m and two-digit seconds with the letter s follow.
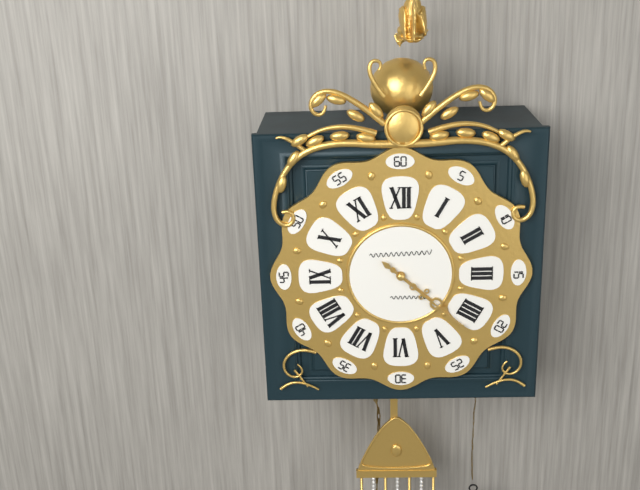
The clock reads 4h22
